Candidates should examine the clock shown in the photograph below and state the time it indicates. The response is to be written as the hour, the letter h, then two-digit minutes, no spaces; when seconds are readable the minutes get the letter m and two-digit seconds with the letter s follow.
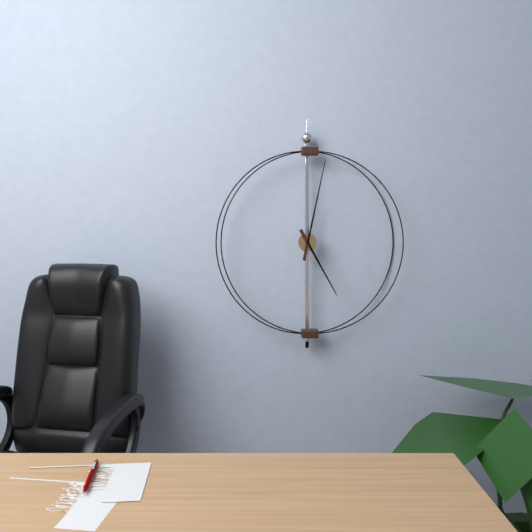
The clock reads 5h02
